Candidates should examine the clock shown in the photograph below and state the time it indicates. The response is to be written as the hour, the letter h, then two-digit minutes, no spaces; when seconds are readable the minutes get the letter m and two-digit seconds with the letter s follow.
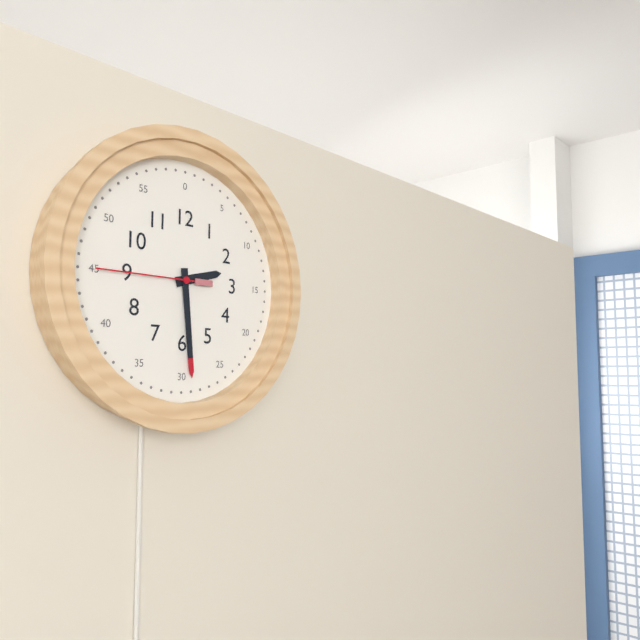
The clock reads 2h29m45s
